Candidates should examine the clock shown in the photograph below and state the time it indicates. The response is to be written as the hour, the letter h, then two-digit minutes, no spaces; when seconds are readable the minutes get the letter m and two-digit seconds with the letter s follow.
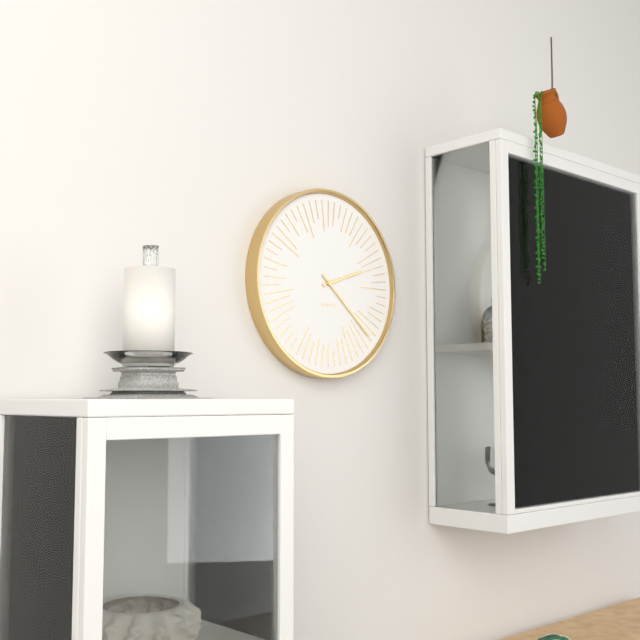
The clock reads 2h22
